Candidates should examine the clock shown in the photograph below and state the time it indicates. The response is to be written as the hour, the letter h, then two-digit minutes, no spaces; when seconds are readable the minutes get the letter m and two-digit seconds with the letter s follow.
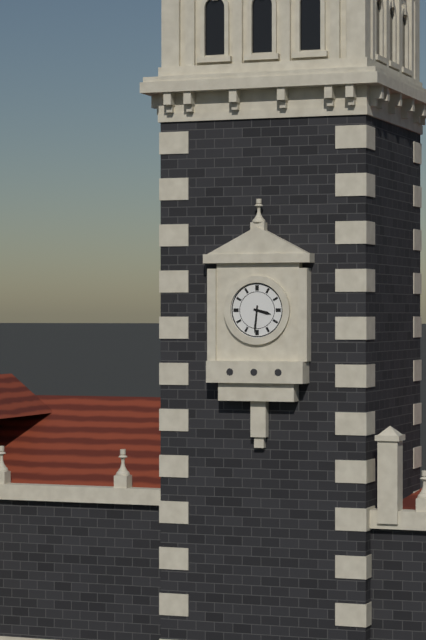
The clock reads 3h31
